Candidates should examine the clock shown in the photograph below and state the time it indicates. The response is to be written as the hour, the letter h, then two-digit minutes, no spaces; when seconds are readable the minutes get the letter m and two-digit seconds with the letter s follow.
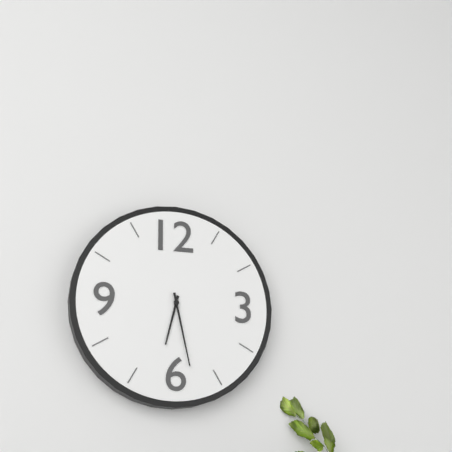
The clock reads 6h28
